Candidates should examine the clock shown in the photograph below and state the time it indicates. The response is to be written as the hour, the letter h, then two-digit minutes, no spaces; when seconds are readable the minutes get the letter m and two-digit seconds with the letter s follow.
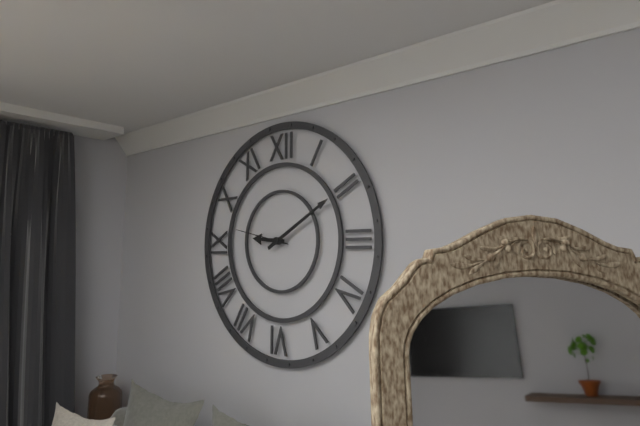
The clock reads 9h10m47s
